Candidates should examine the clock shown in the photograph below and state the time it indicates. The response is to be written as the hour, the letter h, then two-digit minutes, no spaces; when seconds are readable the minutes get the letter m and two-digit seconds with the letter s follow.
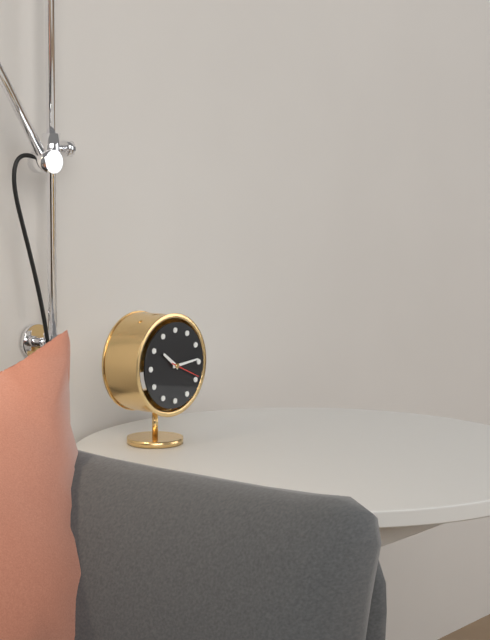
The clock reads 10h14
